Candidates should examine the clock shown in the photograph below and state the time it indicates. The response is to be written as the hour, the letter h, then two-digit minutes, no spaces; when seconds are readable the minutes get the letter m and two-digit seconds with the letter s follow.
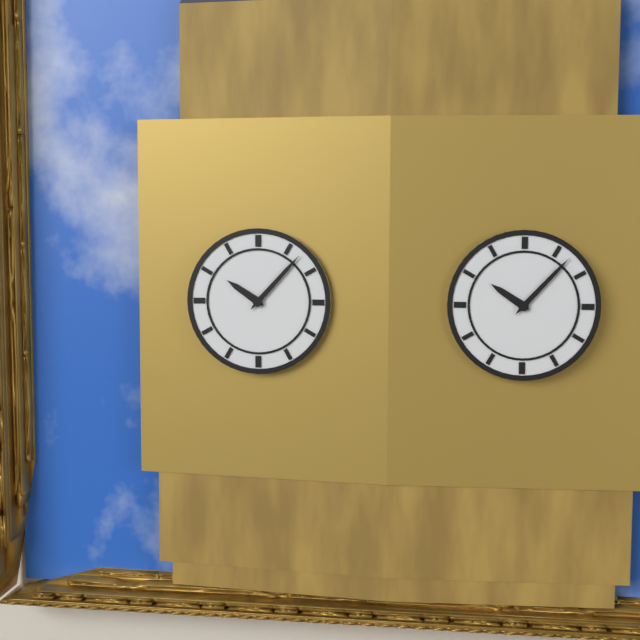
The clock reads 10h07
